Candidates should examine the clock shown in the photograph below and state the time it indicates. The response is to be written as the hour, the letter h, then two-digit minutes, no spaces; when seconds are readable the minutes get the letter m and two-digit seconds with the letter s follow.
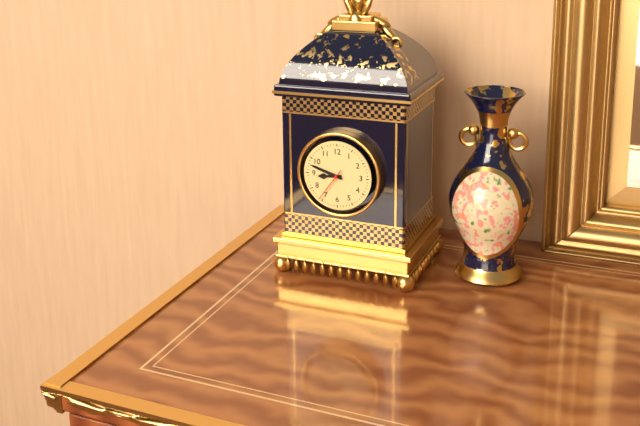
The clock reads 8h48
